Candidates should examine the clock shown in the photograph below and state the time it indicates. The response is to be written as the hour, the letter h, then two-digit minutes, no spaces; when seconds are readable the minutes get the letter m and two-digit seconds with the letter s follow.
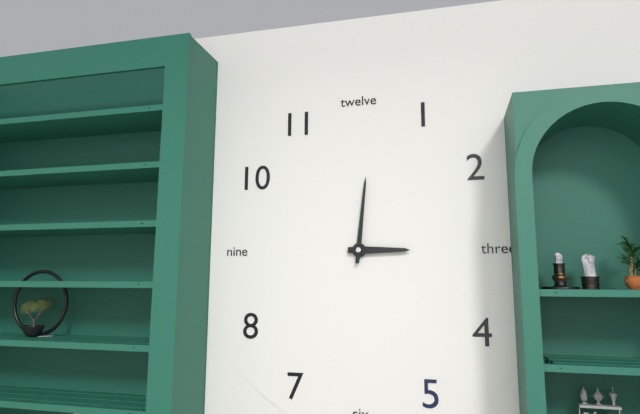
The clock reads 3h01
